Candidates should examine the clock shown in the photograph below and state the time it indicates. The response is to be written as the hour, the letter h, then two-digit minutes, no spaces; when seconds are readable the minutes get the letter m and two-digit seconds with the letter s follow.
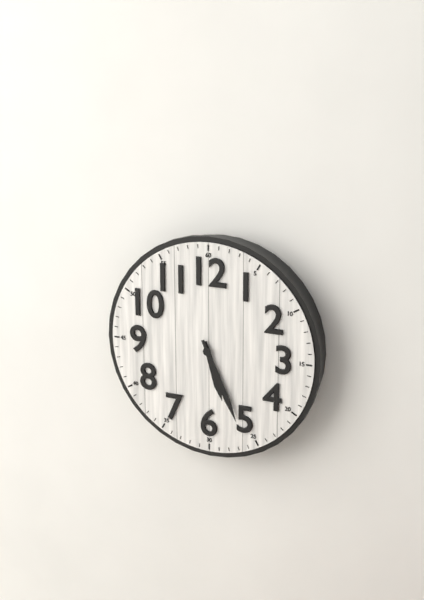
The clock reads 5h26
